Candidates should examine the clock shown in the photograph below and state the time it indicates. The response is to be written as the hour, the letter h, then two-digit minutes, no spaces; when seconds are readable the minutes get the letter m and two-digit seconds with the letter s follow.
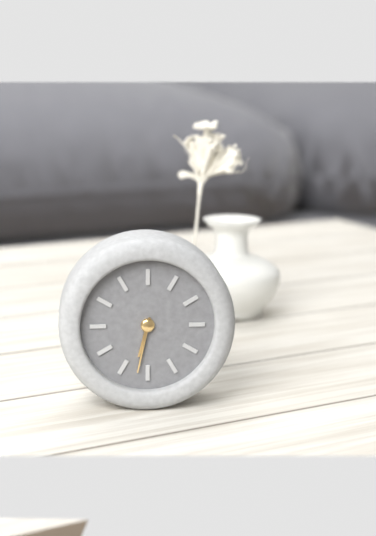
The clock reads 6h32
